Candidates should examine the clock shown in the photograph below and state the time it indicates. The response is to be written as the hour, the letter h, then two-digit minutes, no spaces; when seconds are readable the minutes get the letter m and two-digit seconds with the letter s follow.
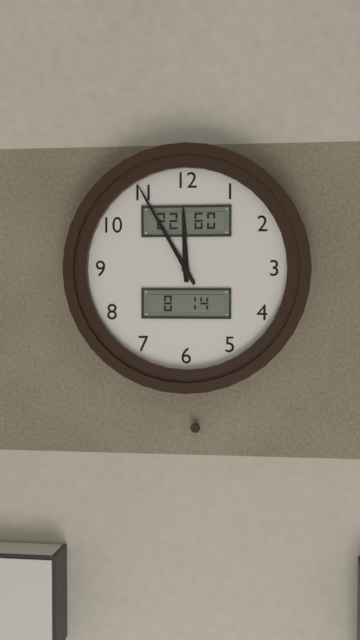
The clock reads 11h55
